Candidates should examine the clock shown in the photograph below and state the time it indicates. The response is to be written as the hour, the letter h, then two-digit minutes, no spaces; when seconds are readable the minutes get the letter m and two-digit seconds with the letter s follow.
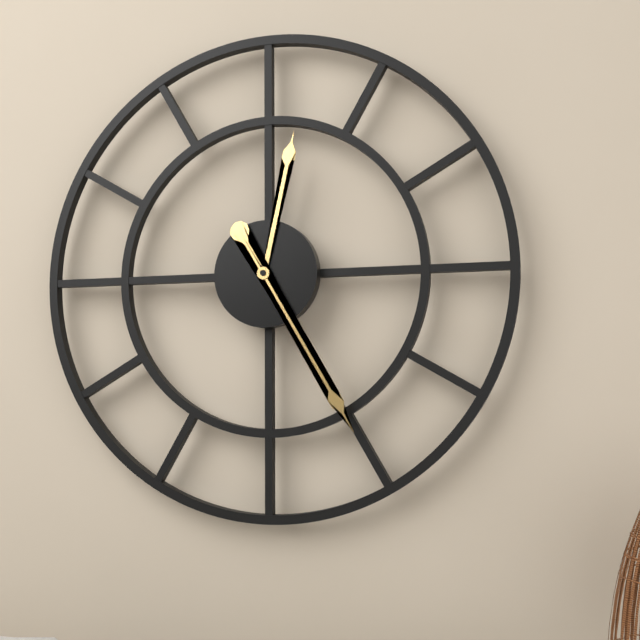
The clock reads 12h25
